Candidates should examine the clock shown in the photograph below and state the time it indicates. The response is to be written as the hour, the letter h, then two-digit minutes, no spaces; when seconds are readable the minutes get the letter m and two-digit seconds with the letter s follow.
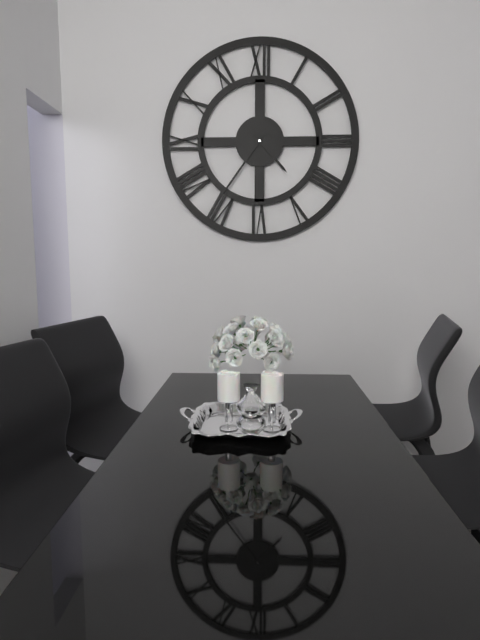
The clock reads 4h36
